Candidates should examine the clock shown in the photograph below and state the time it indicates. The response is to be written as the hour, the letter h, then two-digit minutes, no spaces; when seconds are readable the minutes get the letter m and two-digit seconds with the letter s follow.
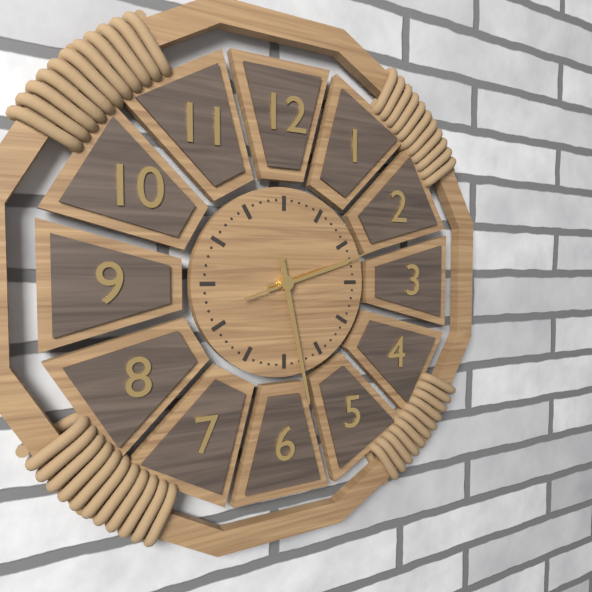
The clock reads 2h28m12s
